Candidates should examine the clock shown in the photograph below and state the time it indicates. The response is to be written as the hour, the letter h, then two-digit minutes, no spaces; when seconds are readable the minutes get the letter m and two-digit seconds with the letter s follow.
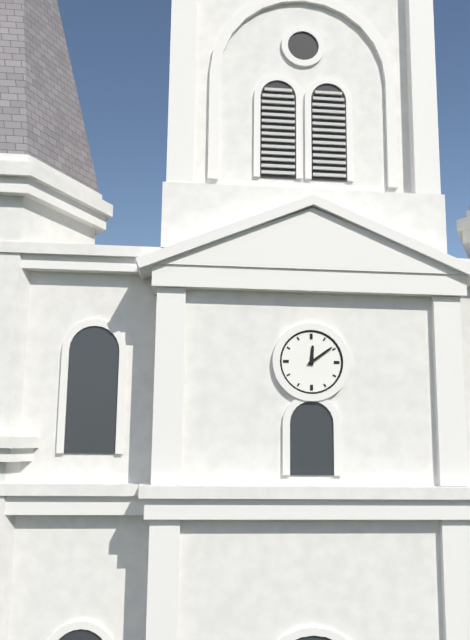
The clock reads 12h09
